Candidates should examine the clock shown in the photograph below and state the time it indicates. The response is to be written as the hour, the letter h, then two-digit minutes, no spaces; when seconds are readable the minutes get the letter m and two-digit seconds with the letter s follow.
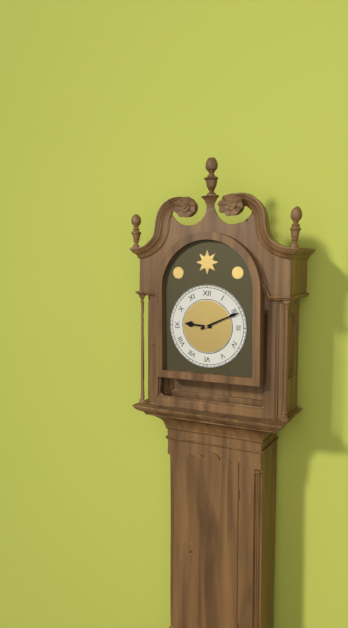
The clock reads 9h11
